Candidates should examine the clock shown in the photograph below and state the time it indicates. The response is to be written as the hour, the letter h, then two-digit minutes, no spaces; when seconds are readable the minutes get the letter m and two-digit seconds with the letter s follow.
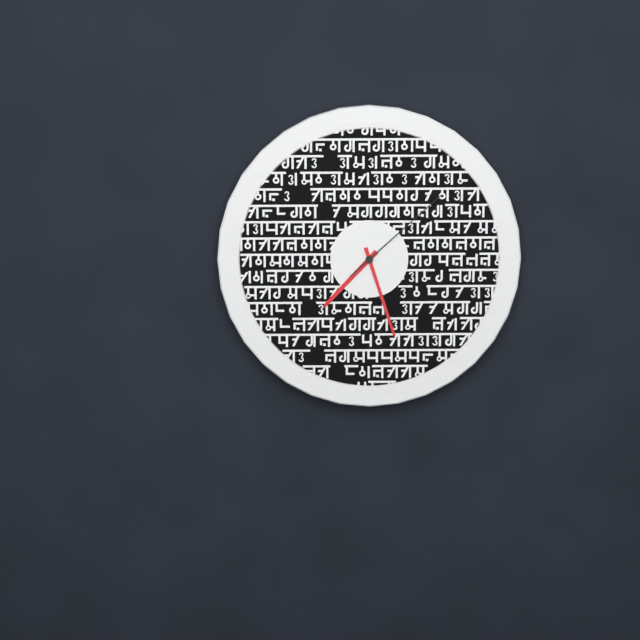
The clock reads 7h27m08s
